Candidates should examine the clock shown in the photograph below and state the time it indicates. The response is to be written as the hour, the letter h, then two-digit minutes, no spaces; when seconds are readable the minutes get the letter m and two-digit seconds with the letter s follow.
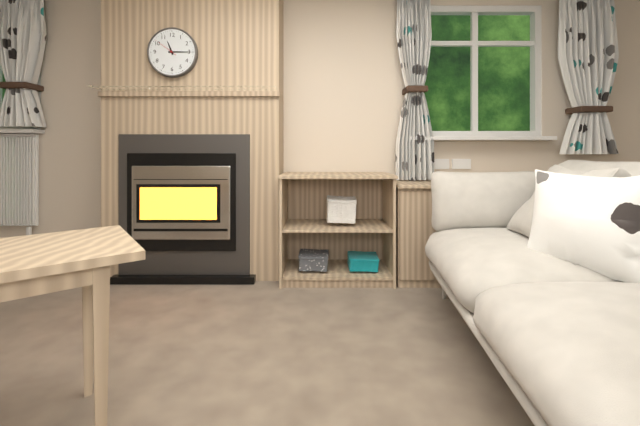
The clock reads 11h15
